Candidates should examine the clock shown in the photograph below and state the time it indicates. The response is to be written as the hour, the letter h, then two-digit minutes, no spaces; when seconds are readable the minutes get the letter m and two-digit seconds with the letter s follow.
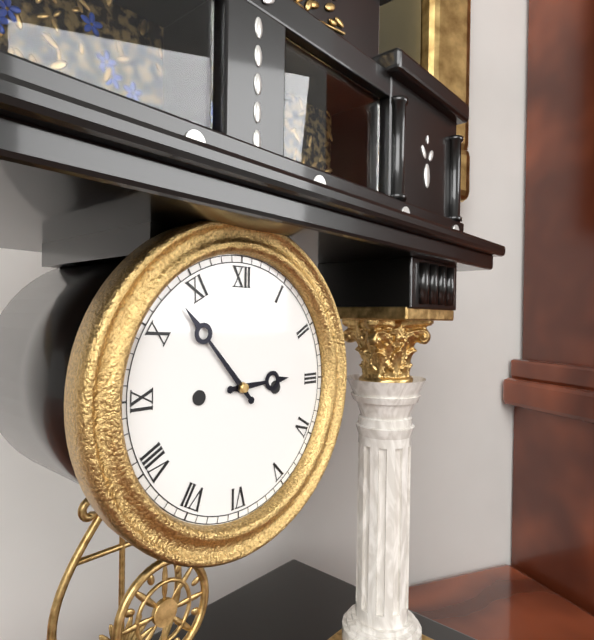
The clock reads 2h53
